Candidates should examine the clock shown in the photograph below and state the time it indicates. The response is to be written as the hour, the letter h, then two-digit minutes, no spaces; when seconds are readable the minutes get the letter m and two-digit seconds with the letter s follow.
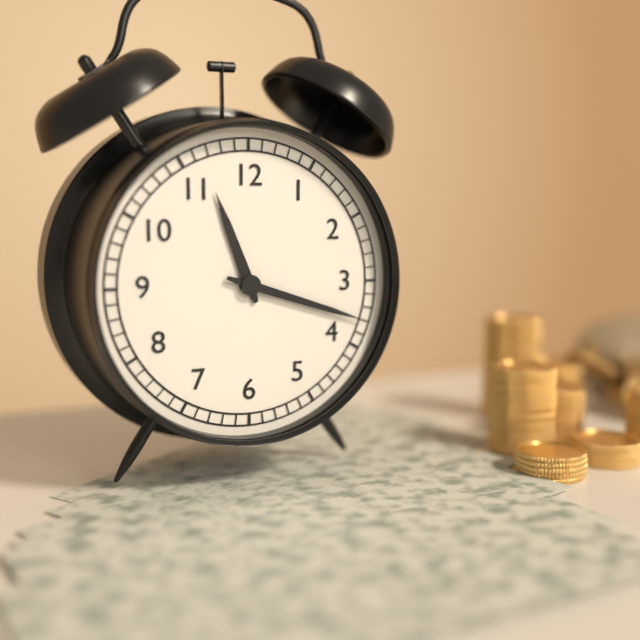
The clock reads 11h18
